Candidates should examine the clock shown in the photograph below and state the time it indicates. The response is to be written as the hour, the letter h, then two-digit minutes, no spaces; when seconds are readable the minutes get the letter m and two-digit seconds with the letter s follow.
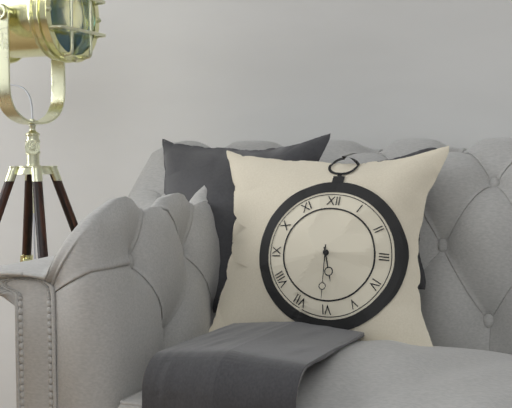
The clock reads 5h30
